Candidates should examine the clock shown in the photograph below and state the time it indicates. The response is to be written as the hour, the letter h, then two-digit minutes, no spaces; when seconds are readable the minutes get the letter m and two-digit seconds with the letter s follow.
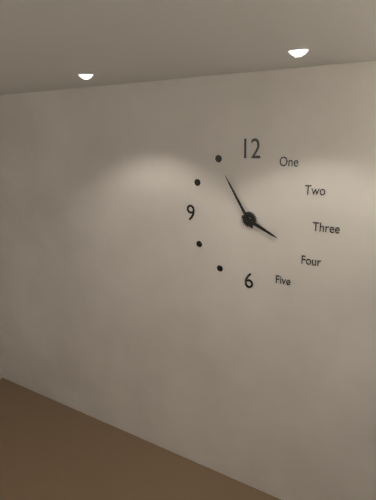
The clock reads 3h55
